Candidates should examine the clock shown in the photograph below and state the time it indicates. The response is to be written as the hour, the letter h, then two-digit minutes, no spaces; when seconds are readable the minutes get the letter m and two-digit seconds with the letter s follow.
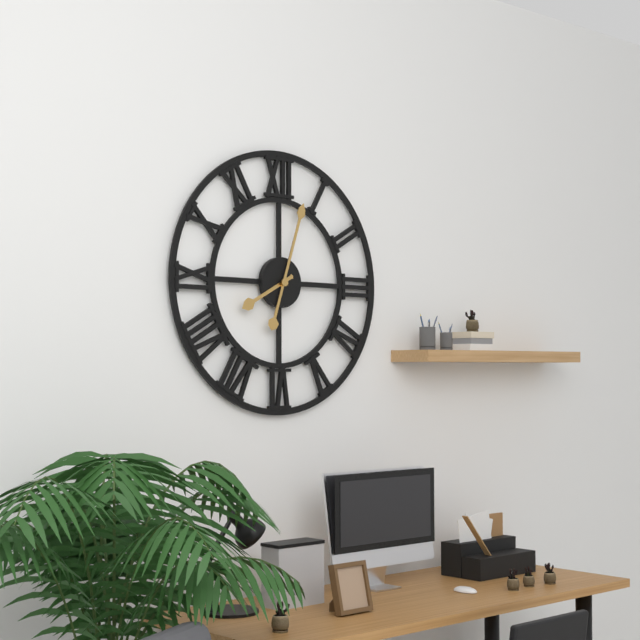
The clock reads 8h03
